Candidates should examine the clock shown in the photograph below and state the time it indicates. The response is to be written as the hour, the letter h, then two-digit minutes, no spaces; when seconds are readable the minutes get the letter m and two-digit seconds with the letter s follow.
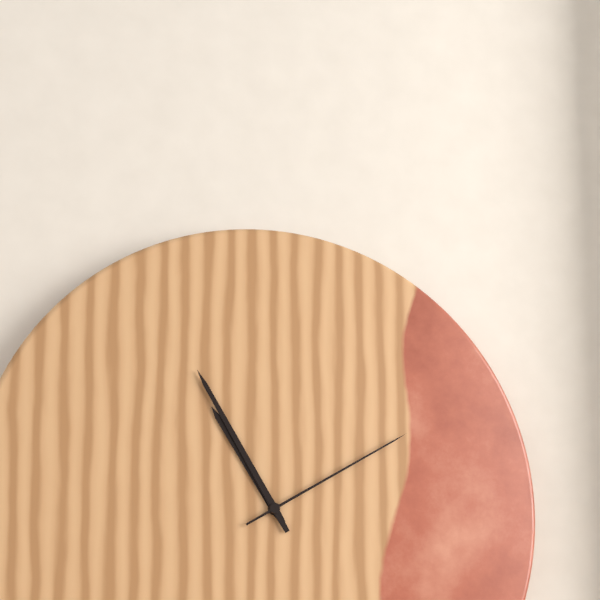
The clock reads 10h55m10s
